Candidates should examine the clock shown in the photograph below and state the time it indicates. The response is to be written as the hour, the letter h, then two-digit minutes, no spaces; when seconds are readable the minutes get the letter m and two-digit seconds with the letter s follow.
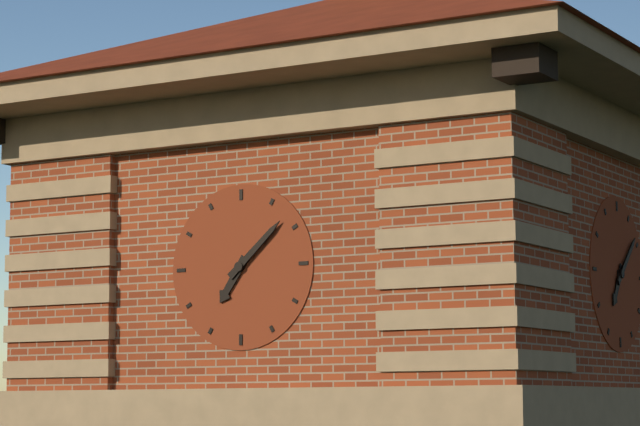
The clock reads 7h08
